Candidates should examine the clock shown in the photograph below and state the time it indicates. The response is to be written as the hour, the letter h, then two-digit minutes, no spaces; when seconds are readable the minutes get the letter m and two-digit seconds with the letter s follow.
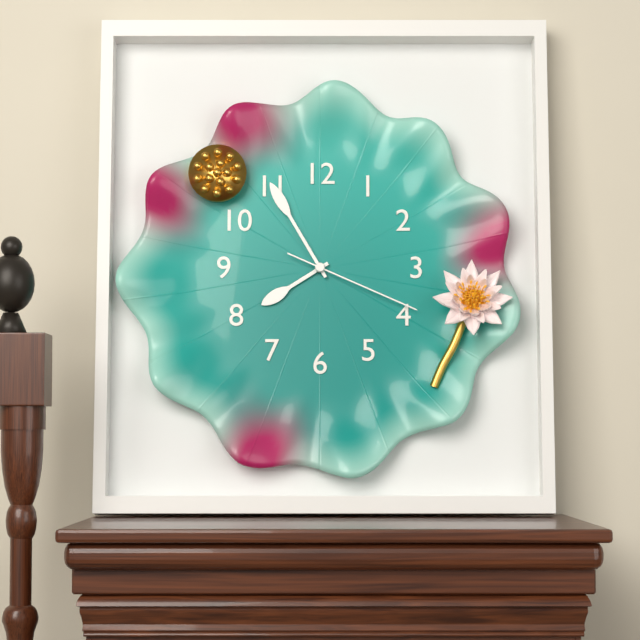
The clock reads 7h55m19s
